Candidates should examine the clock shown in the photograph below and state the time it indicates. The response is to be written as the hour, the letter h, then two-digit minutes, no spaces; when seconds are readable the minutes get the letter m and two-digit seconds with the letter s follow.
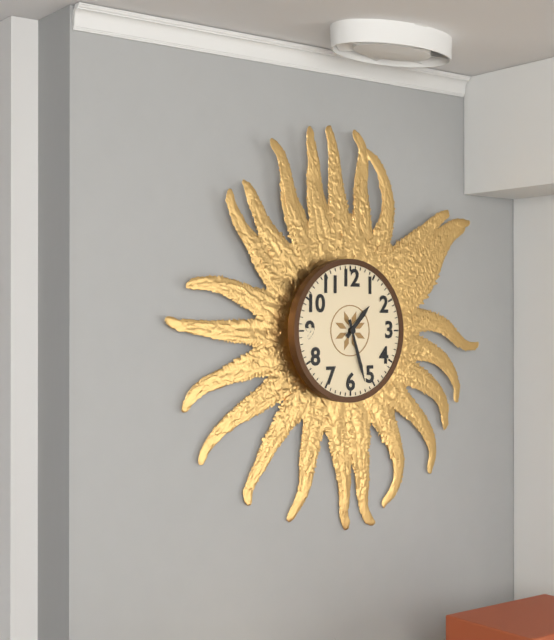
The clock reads 1h27
